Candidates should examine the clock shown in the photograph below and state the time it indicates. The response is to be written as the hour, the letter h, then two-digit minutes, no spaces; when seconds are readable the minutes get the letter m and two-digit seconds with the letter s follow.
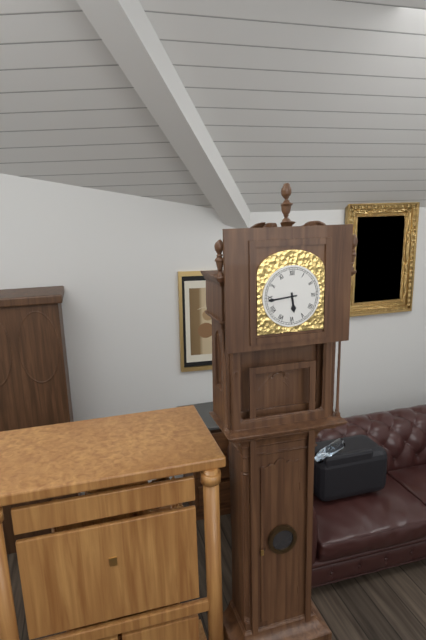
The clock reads 5h44
